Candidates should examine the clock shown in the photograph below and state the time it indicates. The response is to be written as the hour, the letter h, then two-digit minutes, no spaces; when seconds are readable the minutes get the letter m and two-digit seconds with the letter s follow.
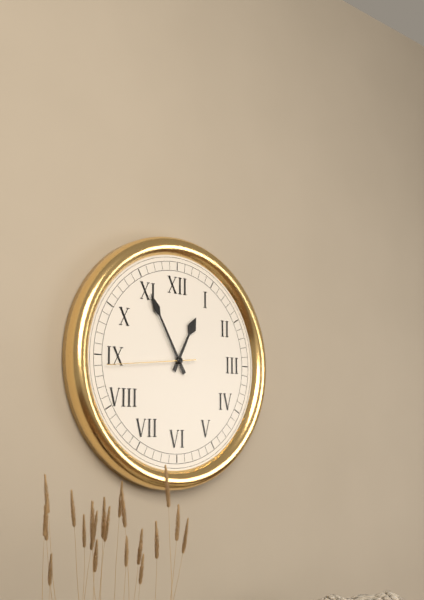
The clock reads 12h55m44s
